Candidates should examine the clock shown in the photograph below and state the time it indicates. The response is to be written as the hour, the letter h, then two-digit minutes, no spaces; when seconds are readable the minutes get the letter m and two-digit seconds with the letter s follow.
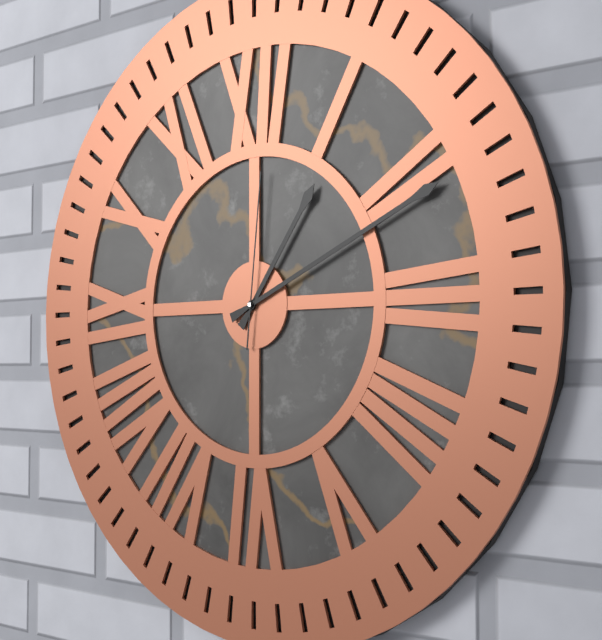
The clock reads 1h11m01s
